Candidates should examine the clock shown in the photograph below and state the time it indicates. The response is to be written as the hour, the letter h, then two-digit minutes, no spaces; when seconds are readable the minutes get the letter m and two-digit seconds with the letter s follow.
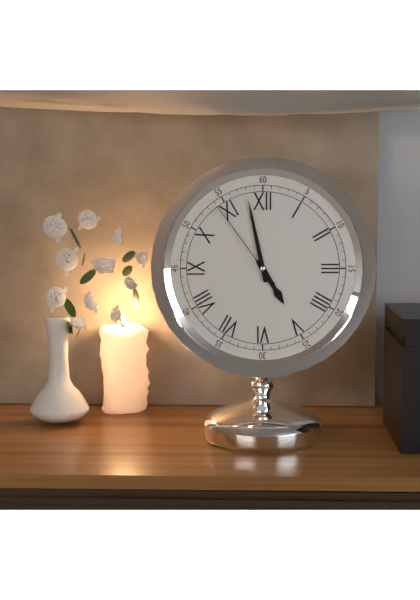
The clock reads 4h58m54s
